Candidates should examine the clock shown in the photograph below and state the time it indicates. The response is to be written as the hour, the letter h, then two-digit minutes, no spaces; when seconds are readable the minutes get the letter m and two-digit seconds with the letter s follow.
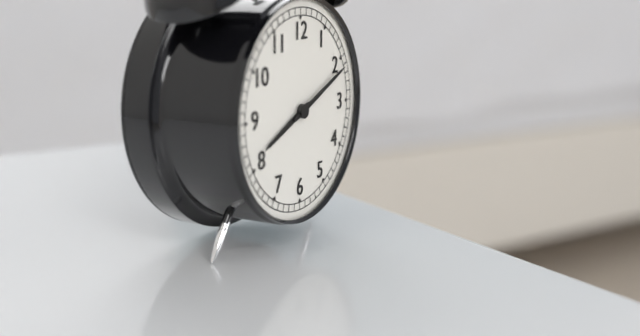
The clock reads 8h11
